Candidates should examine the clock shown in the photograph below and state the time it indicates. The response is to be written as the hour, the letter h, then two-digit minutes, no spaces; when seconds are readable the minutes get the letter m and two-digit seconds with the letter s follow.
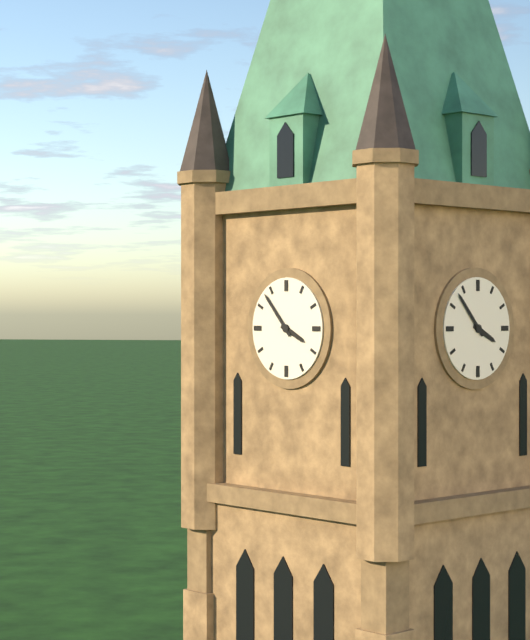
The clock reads 3h53
